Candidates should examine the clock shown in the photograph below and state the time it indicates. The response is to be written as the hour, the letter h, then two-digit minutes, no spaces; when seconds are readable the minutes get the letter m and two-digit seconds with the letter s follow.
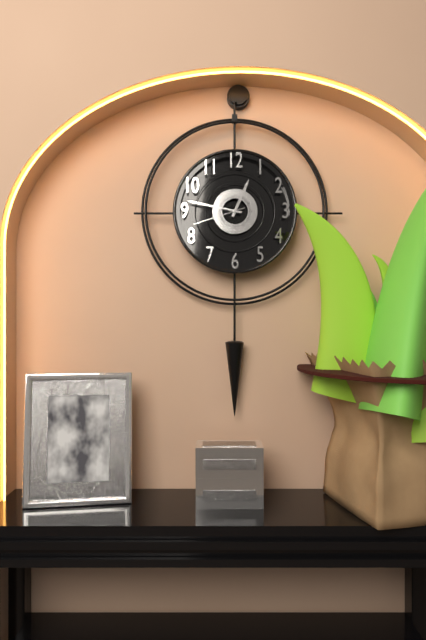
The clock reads 12h47m42s
